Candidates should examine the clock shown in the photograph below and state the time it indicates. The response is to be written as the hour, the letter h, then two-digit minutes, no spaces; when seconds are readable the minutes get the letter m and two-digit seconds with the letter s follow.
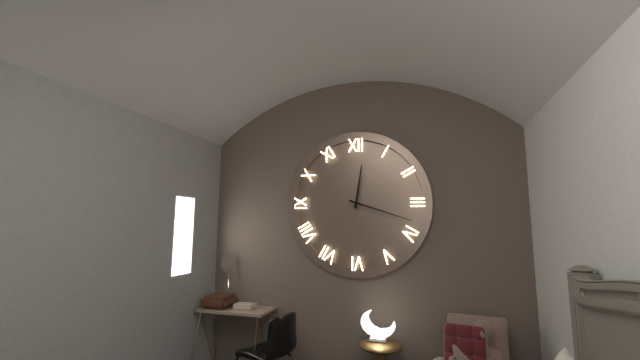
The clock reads 12h18
